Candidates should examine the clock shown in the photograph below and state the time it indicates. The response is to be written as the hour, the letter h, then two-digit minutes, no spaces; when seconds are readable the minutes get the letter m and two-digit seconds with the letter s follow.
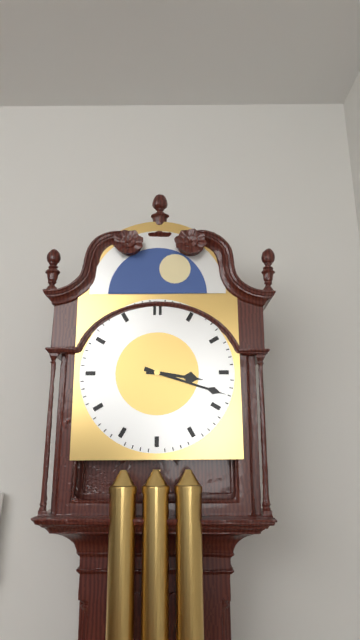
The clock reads 3h18
